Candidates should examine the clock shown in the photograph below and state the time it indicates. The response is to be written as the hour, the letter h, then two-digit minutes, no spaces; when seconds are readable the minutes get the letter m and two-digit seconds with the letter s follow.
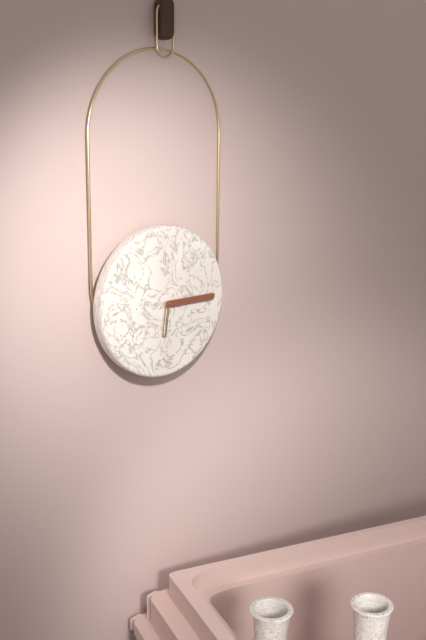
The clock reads 6h15
